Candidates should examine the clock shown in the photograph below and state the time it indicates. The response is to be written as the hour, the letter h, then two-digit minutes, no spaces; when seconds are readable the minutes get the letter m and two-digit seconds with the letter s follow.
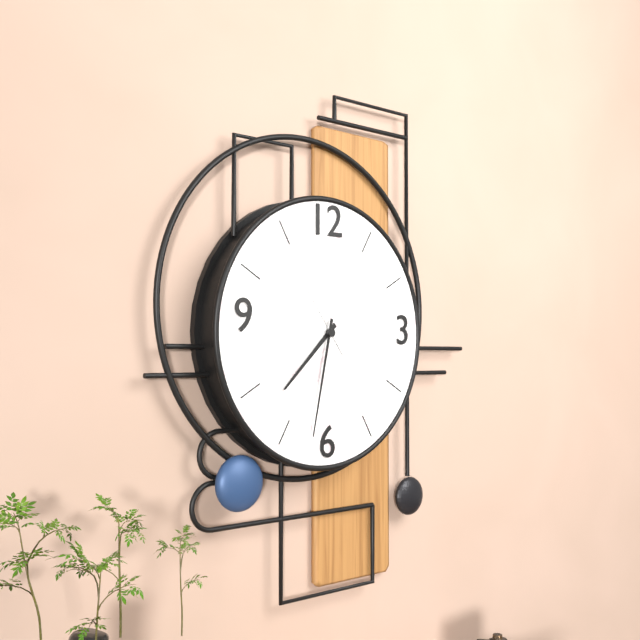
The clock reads 7h32m54s
